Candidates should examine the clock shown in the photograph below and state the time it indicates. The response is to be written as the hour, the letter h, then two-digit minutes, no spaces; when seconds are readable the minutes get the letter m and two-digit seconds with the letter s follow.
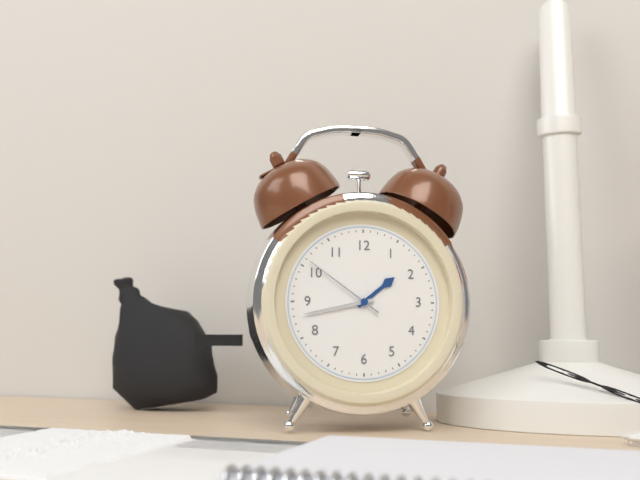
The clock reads 1h43m51s
